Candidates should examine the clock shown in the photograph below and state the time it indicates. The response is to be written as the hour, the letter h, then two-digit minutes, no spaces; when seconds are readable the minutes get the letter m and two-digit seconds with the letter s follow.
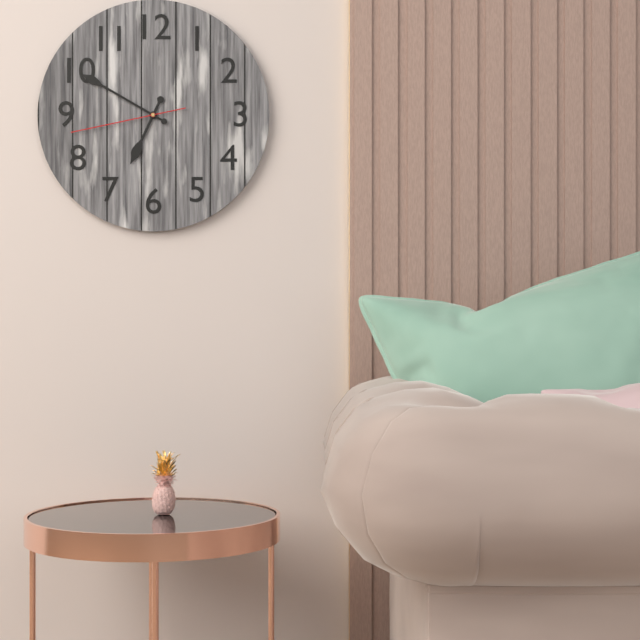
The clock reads 6h50m43s
